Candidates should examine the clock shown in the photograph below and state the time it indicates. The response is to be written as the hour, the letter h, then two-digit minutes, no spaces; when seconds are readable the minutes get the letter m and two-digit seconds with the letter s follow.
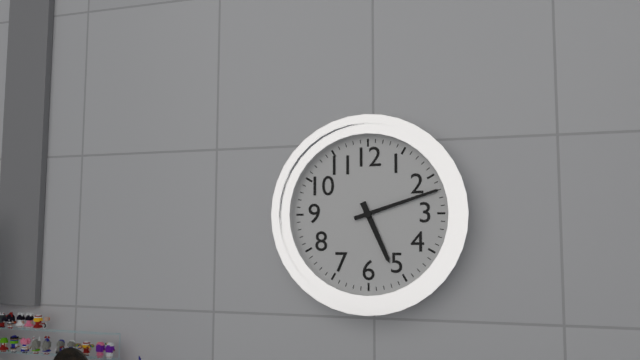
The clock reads 5h12
